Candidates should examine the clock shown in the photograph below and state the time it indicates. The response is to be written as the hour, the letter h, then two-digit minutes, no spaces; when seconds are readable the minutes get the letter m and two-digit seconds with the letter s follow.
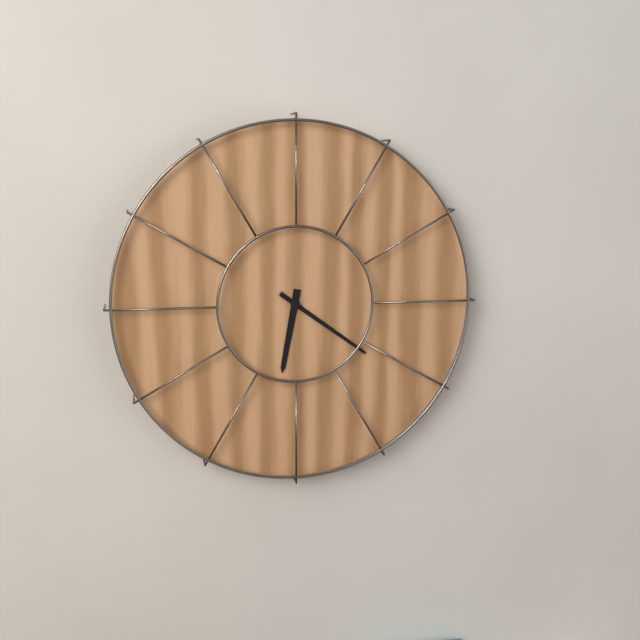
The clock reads 6h21
